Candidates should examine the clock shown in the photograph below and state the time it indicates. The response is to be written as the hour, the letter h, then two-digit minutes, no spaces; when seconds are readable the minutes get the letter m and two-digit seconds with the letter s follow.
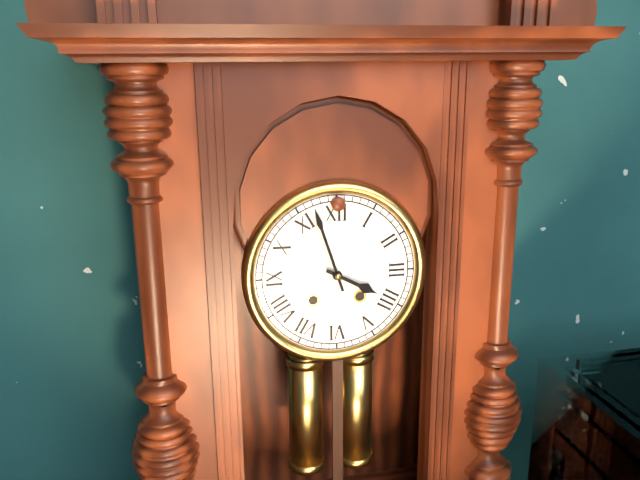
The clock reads 3h57
